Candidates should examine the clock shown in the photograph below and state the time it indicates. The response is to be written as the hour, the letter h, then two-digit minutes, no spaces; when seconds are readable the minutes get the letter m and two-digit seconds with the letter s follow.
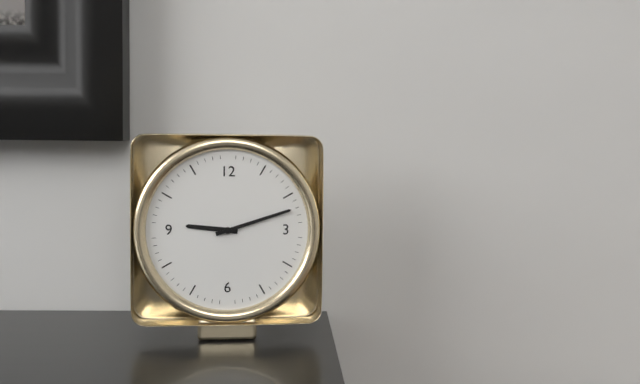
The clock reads 9h12
